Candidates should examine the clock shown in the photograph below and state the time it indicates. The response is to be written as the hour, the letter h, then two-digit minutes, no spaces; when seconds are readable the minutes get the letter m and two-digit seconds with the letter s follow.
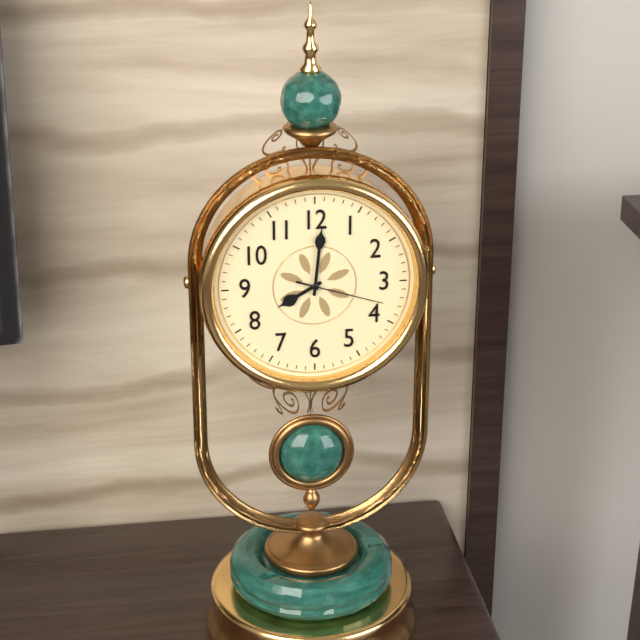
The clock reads 8h01m18s
